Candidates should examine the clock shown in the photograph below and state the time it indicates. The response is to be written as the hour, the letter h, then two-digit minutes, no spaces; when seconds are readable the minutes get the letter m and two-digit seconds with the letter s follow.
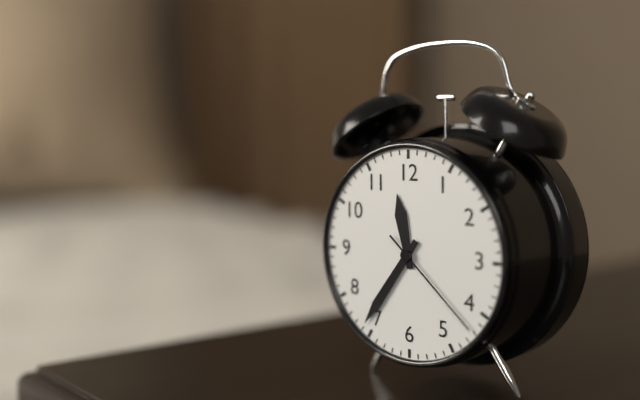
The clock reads 11h36m22s
